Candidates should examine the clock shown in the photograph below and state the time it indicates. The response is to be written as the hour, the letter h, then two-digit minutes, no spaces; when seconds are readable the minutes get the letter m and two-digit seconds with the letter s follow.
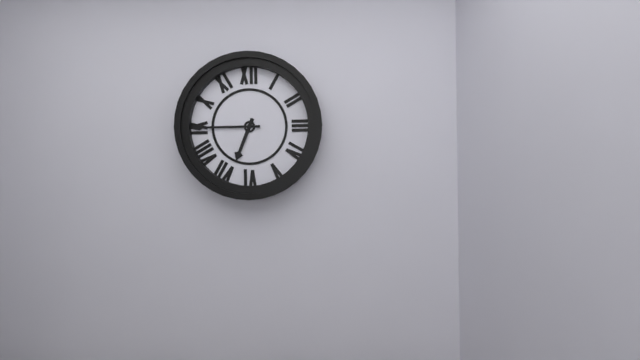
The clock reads 6h45
